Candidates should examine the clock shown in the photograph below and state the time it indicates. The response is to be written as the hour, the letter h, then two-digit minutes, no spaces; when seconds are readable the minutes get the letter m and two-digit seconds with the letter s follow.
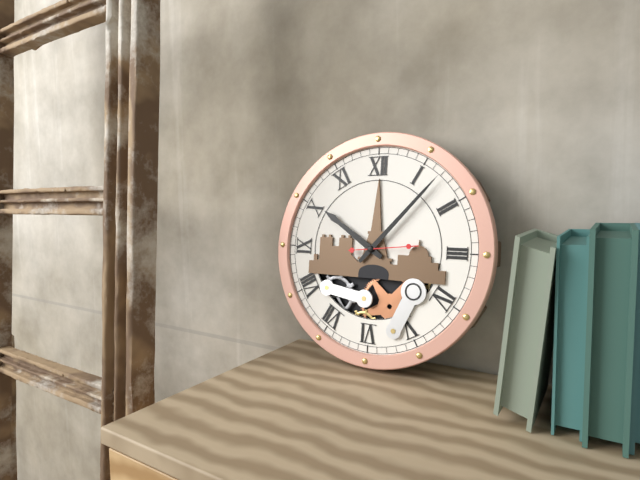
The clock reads 10h07m14s
